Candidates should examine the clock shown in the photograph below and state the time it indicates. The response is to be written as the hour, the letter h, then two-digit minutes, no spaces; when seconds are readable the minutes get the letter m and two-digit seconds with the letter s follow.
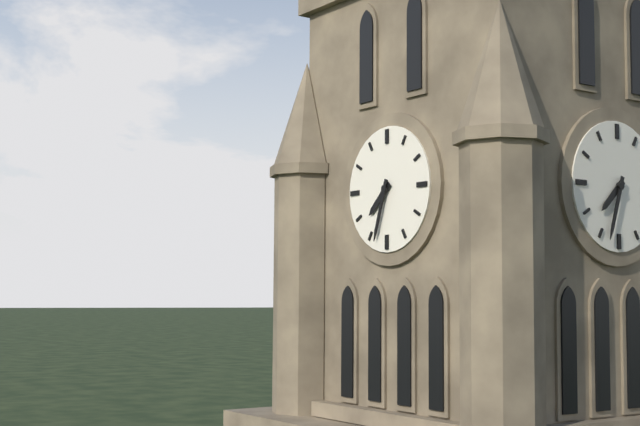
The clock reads 7h33
